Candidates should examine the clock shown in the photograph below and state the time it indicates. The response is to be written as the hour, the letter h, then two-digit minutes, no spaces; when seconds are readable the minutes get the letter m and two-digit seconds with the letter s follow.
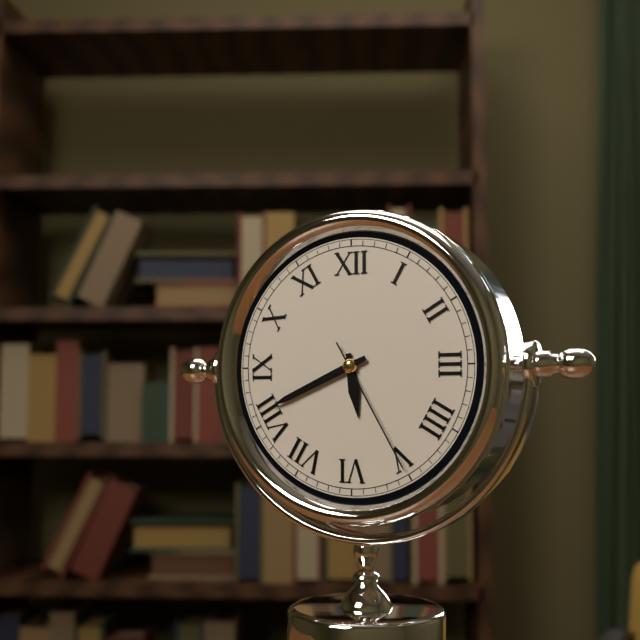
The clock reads 5h41m25s
